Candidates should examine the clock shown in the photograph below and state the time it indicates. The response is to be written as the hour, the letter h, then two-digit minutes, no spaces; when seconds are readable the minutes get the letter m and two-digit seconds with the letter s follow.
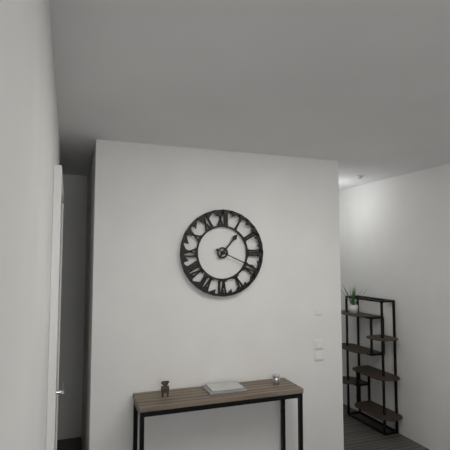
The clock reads 1h19
